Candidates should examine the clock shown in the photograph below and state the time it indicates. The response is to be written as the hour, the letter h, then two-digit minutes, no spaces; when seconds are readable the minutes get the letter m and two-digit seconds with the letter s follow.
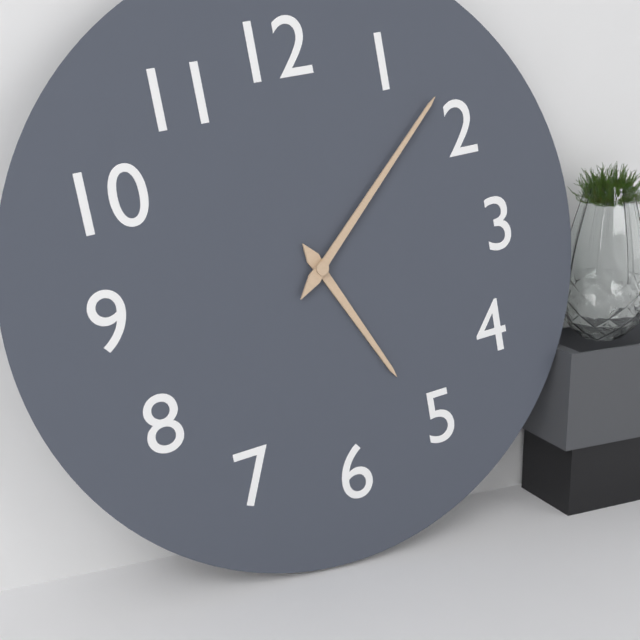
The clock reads 5h08
